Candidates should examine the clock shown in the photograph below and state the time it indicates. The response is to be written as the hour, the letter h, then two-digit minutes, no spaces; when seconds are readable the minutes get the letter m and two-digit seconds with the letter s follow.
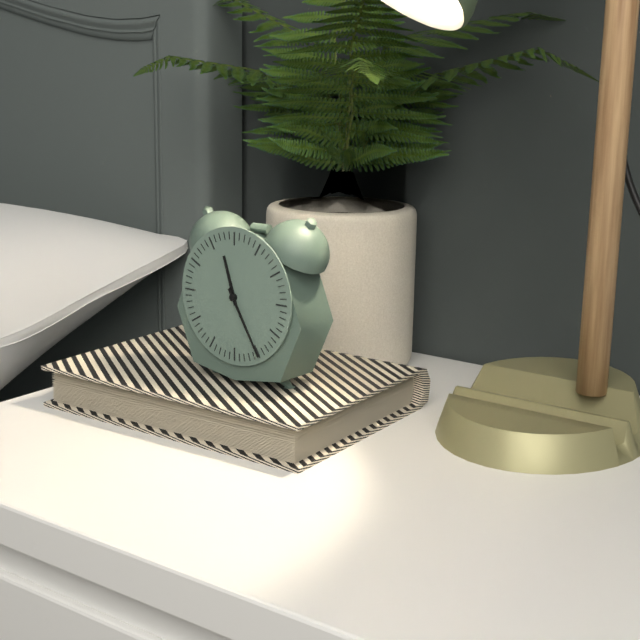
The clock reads 11h25
